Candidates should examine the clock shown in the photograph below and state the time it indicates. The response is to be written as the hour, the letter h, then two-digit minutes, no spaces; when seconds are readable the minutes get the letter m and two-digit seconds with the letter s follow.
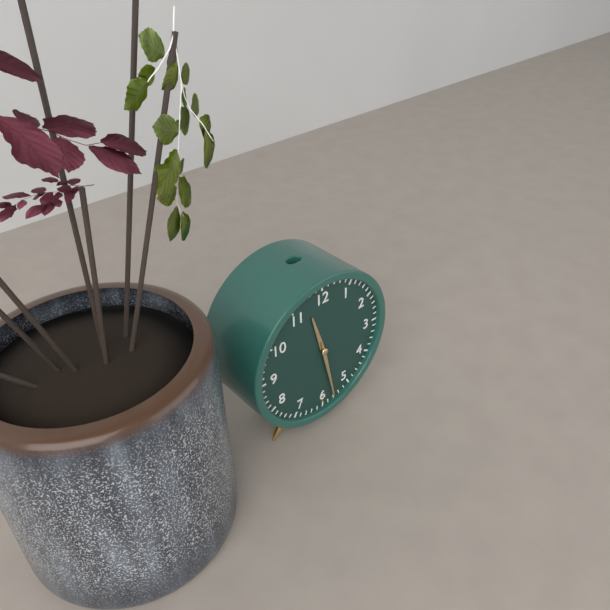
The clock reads 11h28
